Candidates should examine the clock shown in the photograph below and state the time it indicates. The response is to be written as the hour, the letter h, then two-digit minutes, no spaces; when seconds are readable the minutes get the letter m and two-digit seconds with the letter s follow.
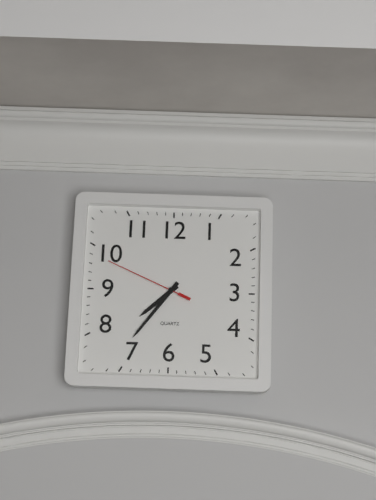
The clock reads 7h36m49s
